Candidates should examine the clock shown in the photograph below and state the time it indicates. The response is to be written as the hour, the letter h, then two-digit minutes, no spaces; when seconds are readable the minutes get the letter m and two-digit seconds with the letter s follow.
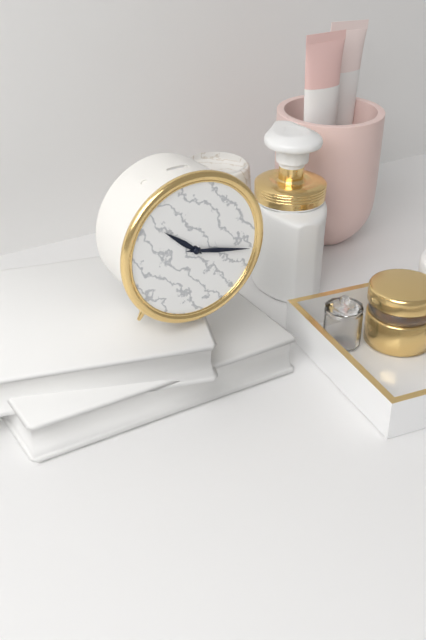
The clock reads 10h17
